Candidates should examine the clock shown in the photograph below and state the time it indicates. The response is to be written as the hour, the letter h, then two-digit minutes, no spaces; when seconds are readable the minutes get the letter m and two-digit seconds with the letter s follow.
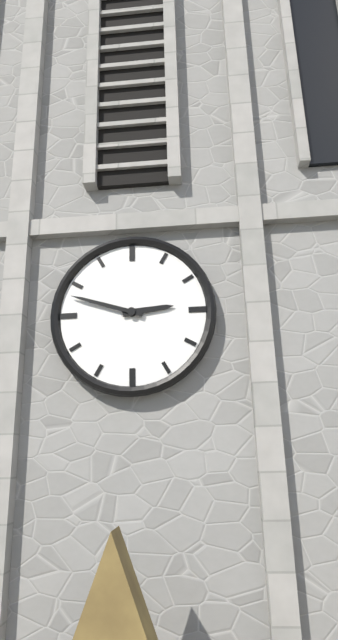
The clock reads 2h48
